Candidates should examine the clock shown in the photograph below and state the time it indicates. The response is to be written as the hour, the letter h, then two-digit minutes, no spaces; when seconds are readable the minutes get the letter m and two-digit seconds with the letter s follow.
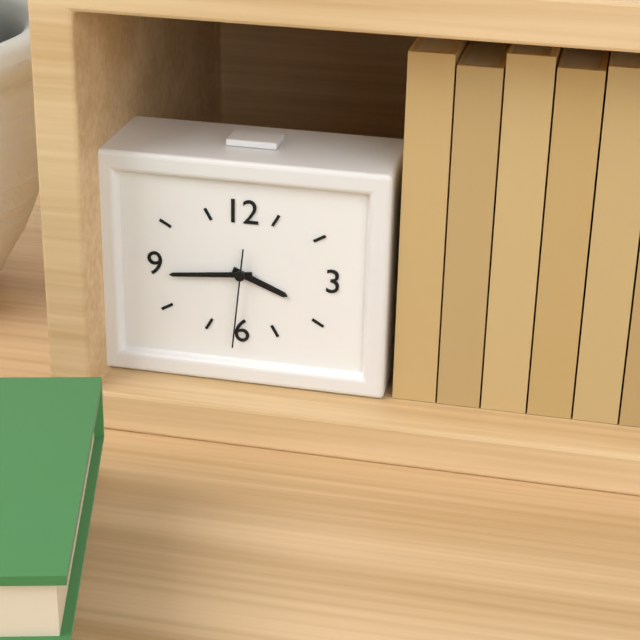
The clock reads 3h44m31s
